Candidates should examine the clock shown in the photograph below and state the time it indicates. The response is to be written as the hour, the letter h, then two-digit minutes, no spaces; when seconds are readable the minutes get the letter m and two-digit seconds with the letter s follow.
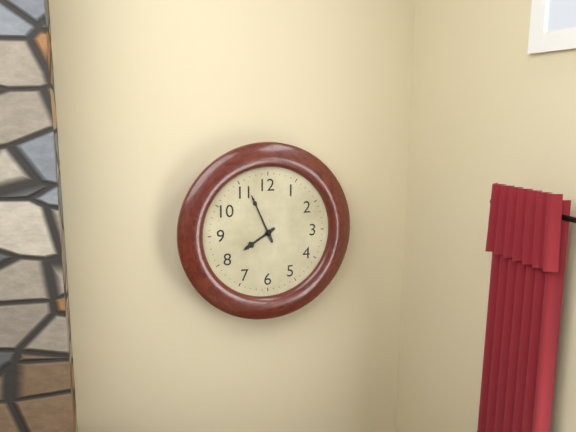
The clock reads 7h56
